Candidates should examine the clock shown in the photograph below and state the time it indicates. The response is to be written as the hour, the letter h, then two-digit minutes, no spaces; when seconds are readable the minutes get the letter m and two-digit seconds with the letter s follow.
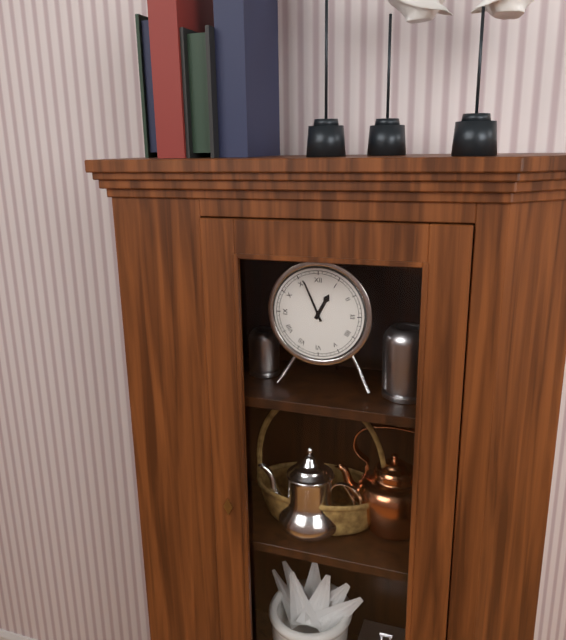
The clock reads 12h56
